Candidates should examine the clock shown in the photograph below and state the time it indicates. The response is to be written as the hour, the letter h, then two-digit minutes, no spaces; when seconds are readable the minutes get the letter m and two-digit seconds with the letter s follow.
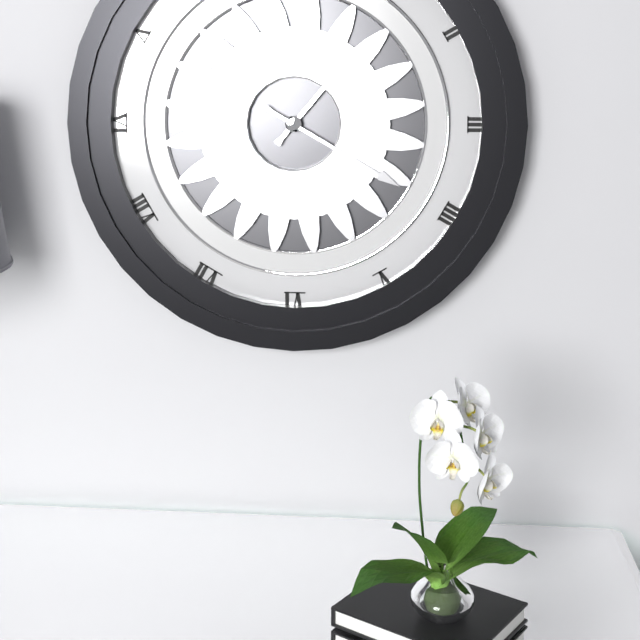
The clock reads 1h20
